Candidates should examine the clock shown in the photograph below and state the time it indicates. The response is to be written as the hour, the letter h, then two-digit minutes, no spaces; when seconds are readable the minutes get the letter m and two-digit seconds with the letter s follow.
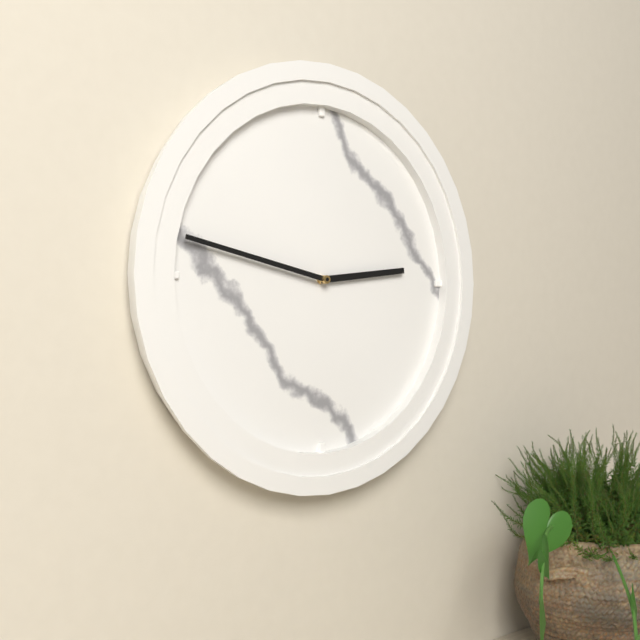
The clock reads 2h47
